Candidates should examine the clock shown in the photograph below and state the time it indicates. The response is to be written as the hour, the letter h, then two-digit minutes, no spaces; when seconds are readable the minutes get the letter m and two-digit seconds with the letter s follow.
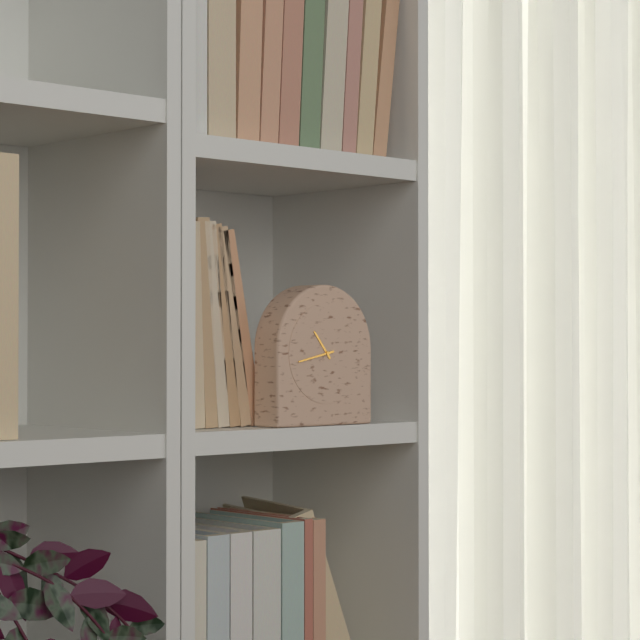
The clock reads 10h43
